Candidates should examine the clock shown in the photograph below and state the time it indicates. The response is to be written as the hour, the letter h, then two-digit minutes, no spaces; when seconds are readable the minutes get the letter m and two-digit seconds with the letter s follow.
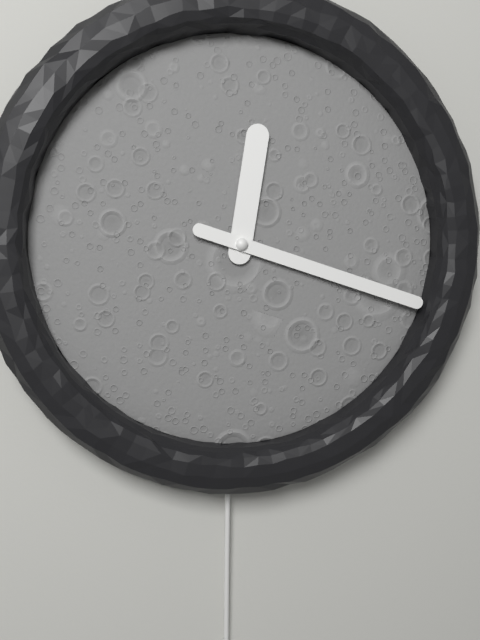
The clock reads 12h18
